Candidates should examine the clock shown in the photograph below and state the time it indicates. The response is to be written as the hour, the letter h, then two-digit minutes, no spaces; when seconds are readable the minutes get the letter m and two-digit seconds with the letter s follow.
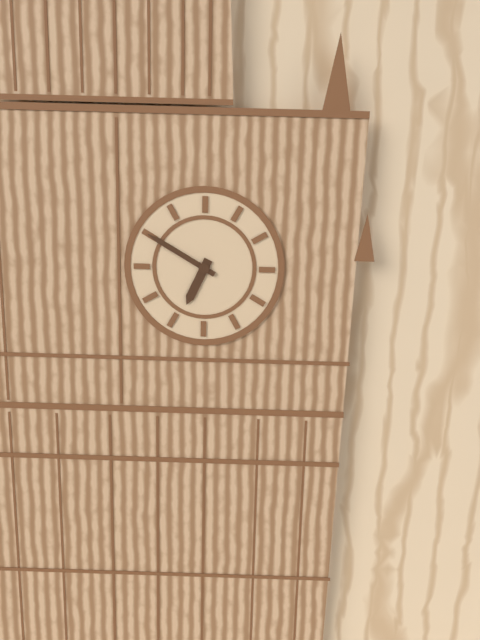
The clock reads 6h50
